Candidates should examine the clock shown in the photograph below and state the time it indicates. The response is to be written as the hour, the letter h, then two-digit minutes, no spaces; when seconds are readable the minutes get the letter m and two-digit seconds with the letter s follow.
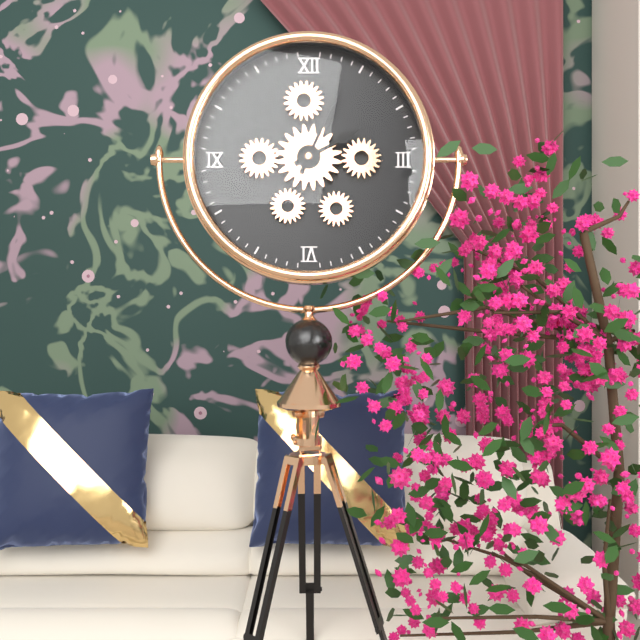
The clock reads 2h04
